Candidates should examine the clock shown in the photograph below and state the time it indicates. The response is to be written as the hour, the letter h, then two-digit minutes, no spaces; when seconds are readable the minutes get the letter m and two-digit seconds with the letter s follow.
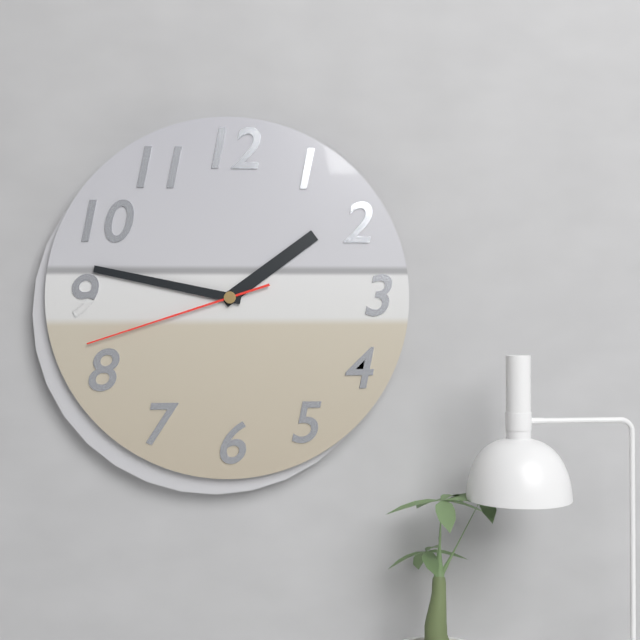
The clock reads 1h47m42s
